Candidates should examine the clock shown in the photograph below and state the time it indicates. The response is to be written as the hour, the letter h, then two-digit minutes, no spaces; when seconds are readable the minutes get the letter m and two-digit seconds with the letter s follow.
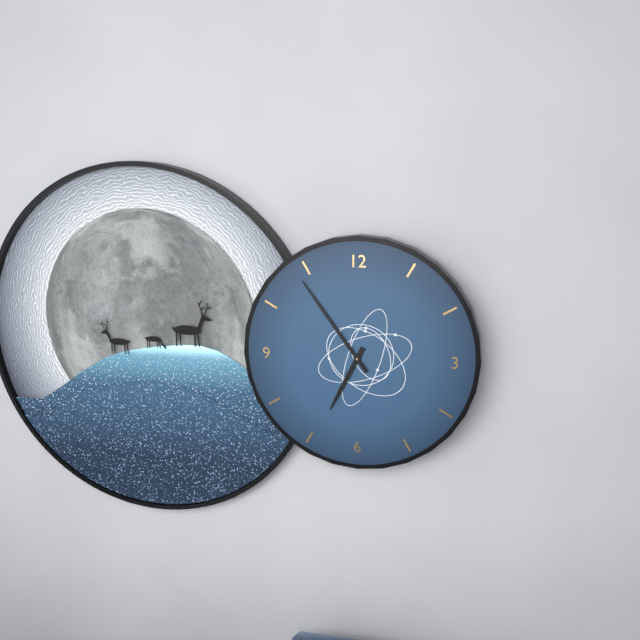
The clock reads 6h54
